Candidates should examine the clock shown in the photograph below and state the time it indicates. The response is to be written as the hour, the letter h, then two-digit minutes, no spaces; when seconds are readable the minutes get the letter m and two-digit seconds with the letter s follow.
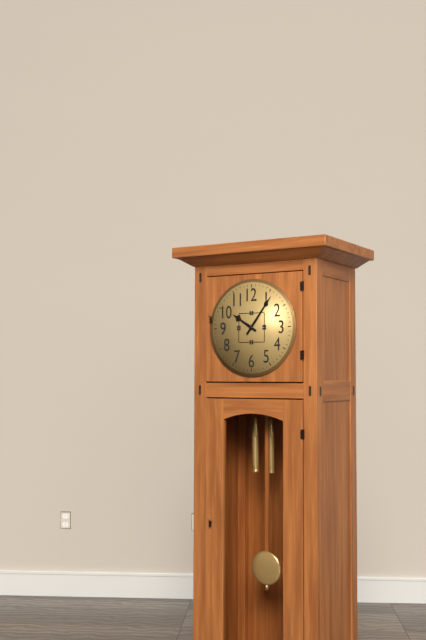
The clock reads 10h06
